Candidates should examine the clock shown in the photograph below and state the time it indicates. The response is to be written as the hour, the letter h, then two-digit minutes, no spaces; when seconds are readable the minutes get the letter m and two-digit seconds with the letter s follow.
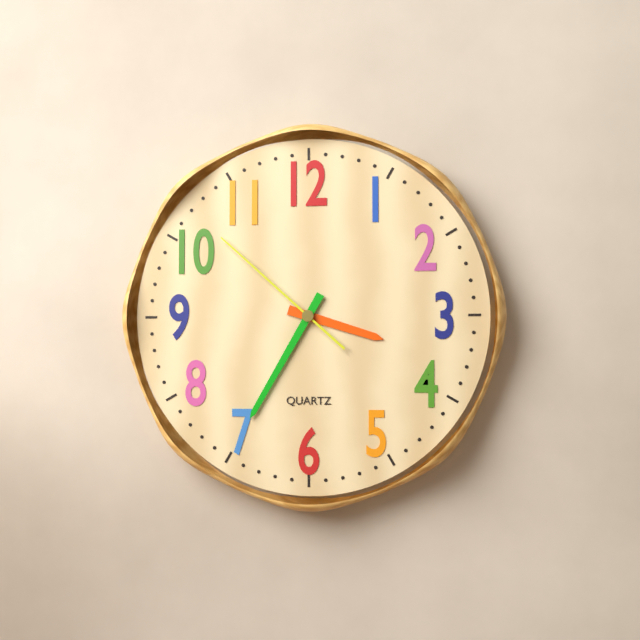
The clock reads 3h35m52s
